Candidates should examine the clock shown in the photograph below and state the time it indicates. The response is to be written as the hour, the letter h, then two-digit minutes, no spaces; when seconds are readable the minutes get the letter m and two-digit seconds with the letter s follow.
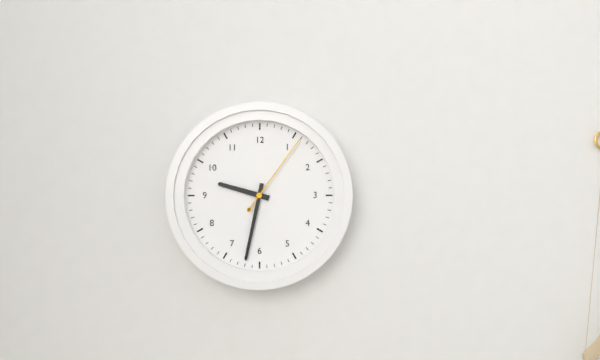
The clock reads 9h32m06s
